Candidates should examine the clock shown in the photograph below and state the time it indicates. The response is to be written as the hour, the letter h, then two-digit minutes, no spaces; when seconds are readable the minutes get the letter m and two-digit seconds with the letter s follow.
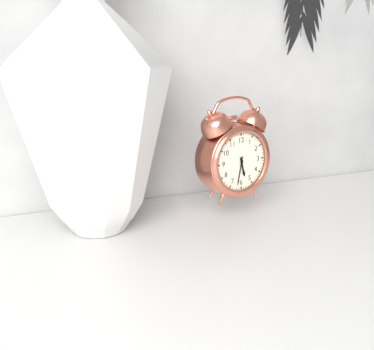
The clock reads 5h32
